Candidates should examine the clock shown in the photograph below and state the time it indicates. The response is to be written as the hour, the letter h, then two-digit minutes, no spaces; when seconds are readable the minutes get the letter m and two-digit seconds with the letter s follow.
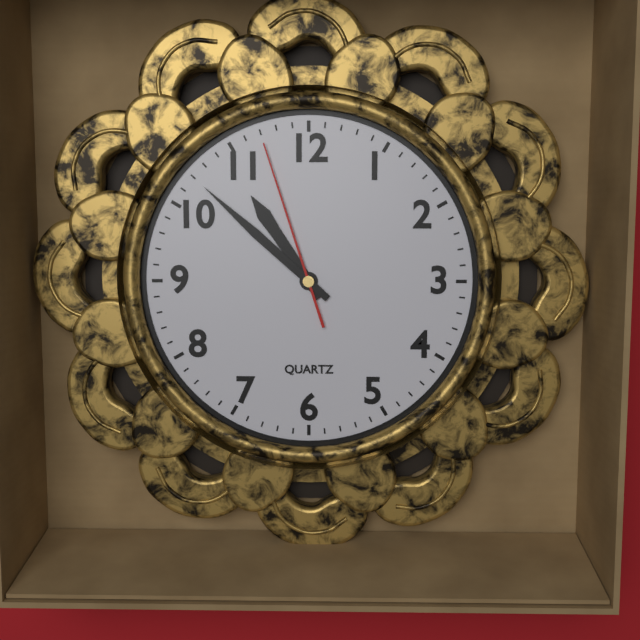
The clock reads 10h52m57s
